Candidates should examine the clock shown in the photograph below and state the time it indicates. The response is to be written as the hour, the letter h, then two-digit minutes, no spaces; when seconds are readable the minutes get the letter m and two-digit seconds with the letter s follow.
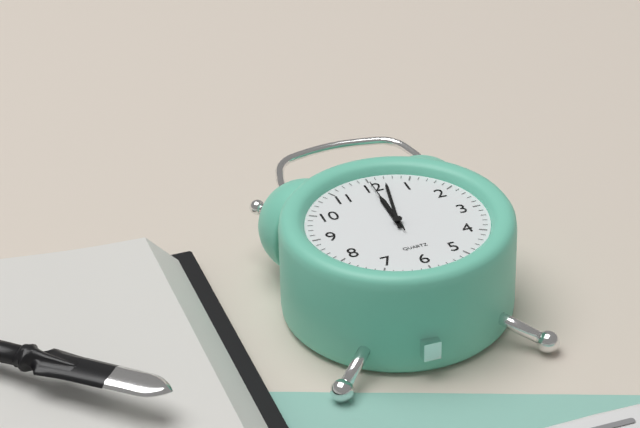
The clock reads 12h02m00s
